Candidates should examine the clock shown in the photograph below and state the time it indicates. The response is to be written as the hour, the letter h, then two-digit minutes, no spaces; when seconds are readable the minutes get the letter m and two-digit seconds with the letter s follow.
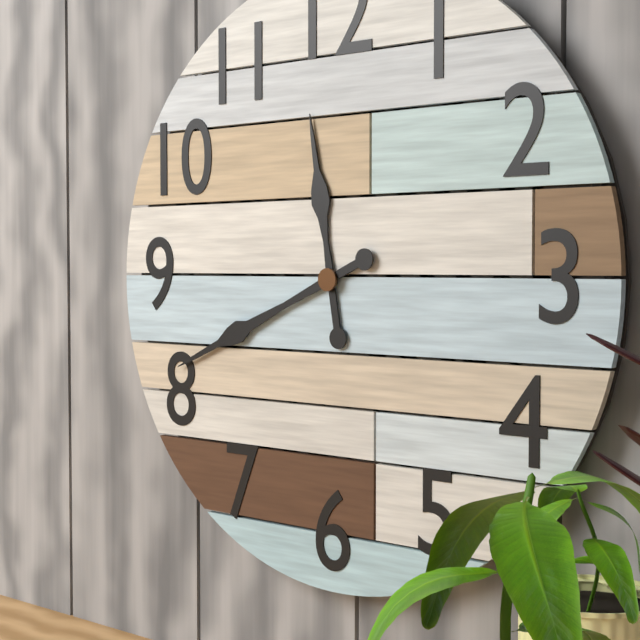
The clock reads 11h41
